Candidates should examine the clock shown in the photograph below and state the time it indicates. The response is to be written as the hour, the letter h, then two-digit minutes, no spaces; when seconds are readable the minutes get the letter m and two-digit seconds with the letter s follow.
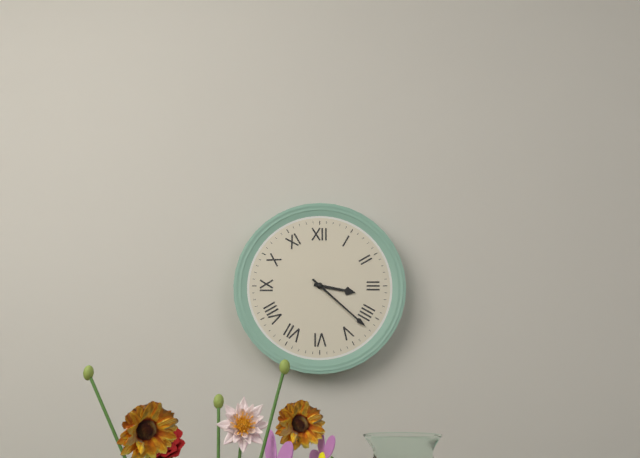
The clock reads 3h22
